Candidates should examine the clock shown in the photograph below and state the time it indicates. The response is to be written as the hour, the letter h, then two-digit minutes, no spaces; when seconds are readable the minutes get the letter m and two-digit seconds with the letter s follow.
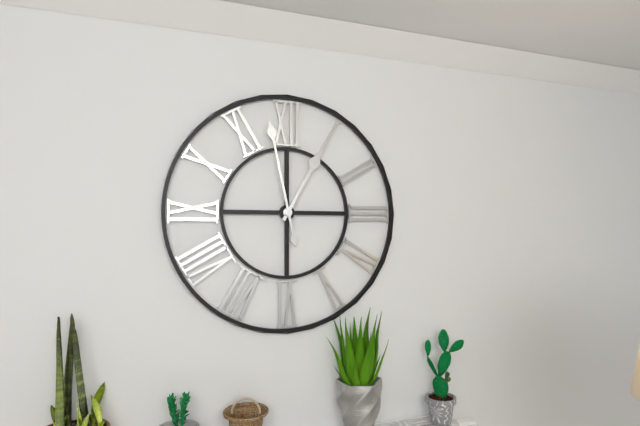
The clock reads 12h58
